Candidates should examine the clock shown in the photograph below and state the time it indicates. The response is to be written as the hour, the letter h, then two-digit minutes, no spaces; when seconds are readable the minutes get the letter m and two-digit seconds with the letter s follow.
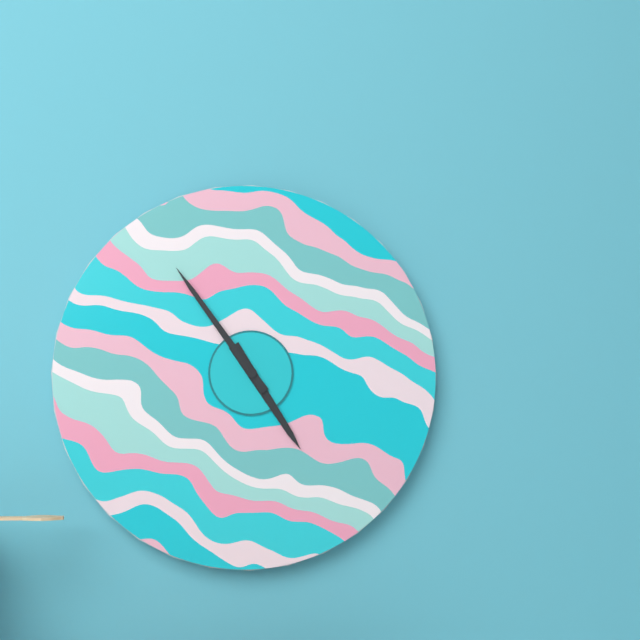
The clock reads 4h54
